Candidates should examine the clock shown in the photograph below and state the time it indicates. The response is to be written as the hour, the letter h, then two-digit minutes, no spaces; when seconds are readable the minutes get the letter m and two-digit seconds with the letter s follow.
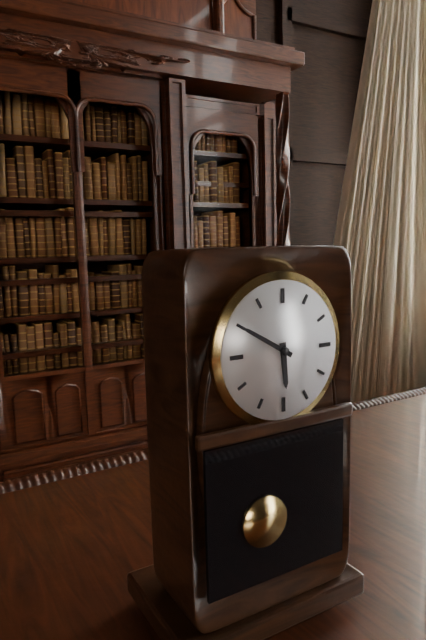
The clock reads 5h50
